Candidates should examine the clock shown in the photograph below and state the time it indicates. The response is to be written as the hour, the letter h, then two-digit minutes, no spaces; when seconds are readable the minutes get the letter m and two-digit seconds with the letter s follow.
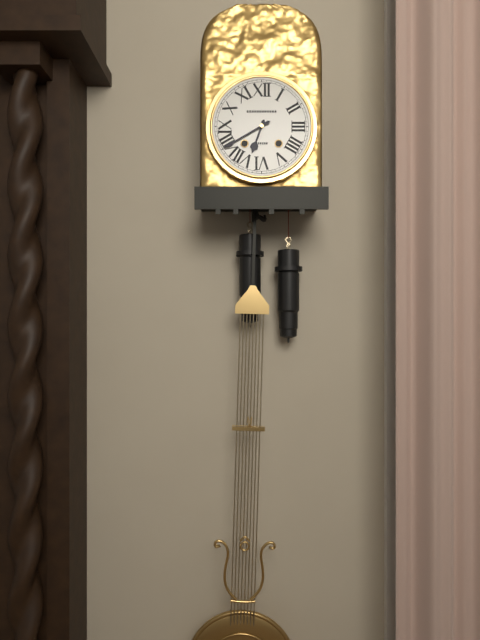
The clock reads 6h40
